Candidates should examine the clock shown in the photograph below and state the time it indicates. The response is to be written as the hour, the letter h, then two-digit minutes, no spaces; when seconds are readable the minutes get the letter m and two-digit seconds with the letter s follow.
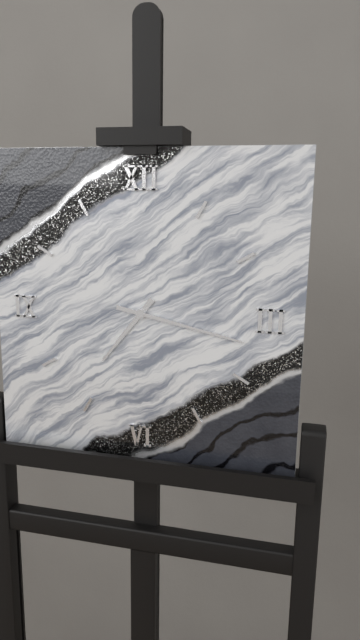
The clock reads 7h17
